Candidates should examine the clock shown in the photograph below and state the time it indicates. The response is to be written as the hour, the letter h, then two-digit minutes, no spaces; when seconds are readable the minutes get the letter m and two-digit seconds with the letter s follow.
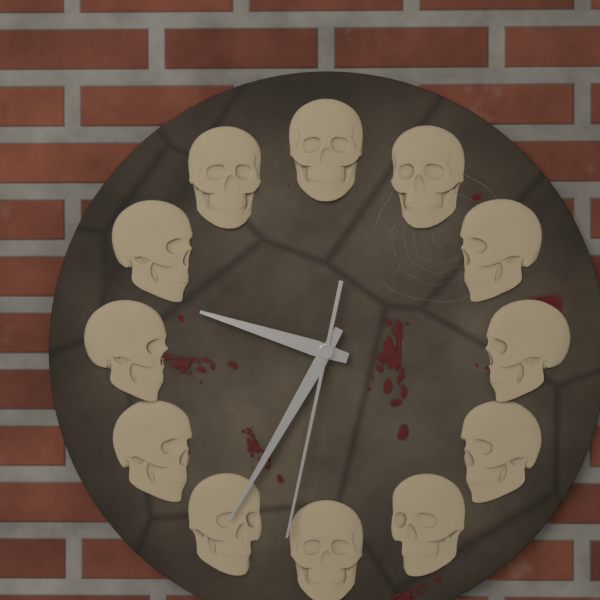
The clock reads 9h35m32s
